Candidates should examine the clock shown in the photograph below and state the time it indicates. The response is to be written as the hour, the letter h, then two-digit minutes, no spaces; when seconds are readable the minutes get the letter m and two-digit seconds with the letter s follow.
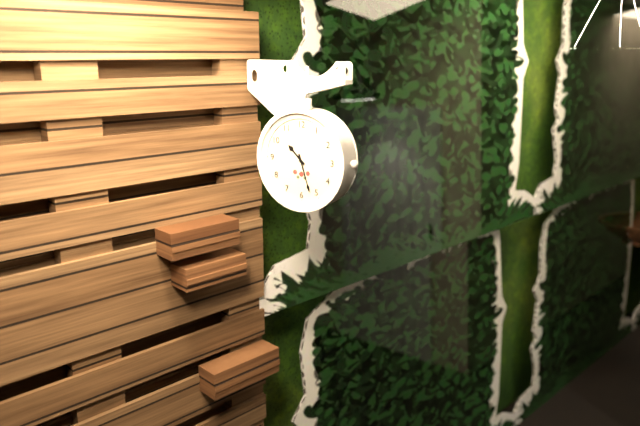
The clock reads 10h27
